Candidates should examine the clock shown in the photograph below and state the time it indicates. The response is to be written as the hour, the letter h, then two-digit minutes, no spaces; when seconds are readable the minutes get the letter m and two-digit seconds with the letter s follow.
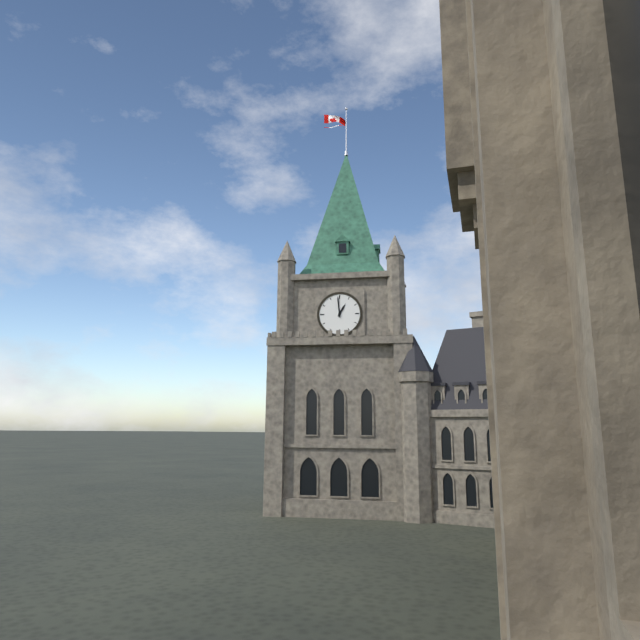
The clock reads 12h59
